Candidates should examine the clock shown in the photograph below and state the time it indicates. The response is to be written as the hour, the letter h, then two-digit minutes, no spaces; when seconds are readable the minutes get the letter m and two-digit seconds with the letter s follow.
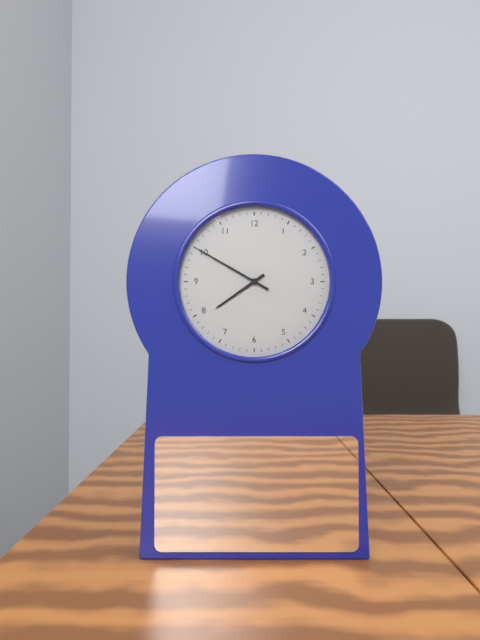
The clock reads 7h50
